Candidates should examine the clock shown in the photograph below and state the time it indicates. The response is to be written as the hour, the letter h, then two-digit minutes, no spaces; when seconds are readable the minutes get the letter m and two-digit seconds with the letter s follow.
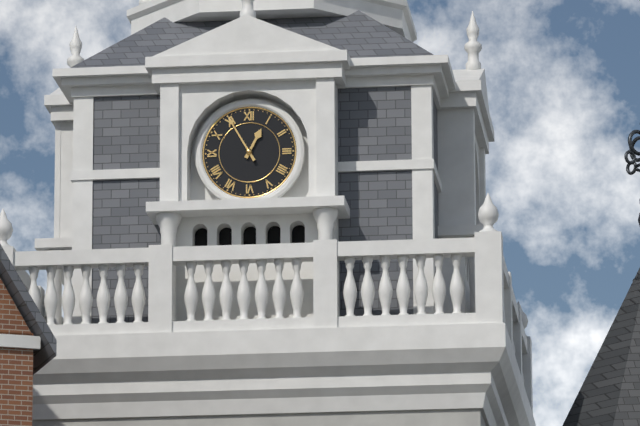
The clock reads 12h55
